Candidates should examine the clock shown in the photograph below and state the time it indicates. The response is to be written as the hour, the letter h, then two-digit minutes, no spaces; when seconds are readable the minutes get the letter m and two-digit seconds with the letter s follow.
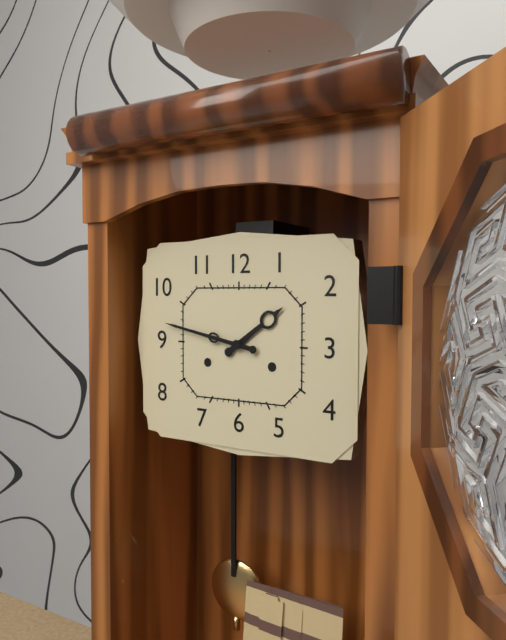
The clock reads 1h47
